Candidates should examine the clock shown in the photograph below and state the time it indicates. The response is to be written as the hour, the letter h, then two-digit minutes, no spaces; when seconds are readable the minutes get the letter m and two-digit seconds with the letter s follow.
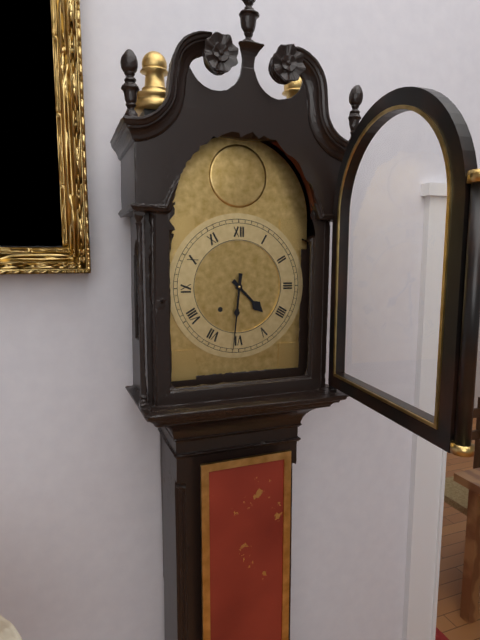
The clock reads 4h31
